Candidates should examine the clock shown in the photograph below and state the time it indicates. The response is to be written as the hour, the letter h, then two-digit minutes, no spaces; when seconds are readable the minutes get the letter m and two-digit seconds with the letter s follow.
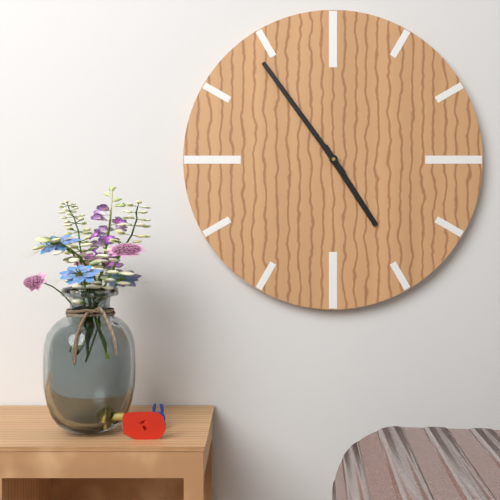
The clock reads 4h54
